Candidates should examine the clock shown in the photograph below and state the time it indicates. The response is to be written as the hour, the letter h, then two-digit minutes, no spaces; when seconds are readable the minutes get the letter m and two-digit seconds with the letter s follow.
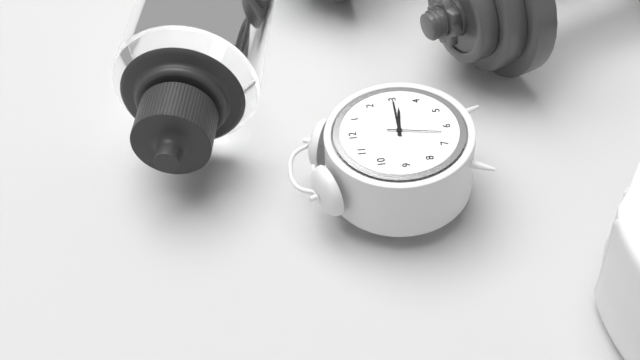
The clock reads 3h15m32s
